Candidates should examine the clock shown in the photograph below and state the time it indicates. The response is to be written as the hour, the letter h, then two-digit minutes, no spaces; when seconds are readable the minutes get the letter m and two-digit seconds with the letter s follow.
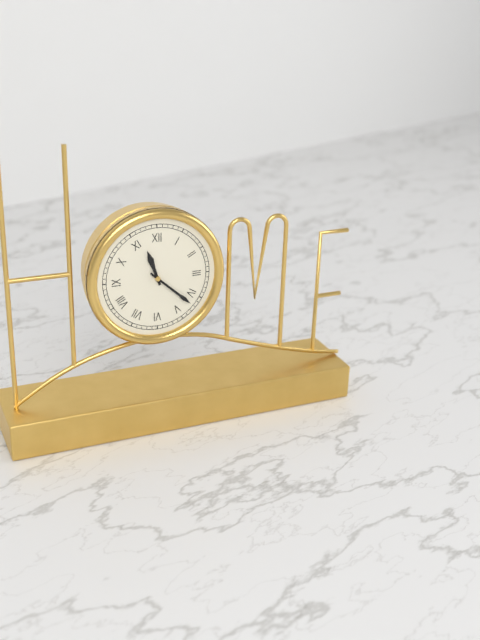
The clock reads 11h22
